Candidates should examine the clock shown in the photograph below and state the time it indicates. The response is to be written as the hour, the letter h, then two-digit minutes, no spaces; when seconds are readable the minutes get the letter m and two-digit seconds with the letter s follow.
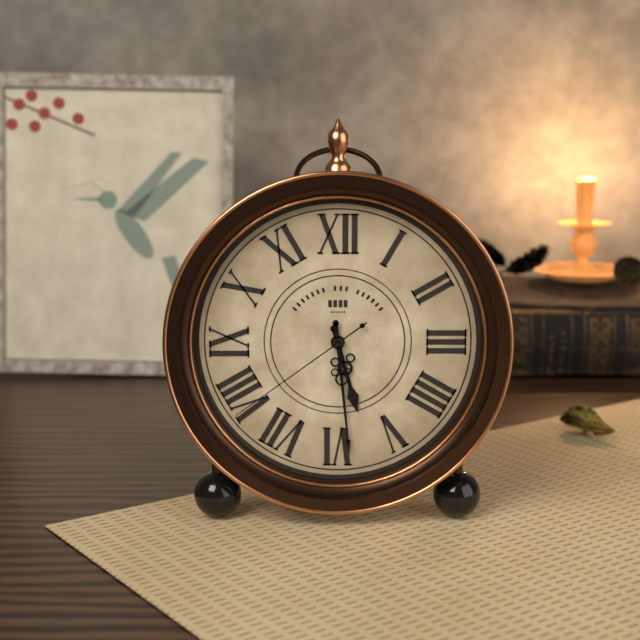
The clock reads 5h29m39s
